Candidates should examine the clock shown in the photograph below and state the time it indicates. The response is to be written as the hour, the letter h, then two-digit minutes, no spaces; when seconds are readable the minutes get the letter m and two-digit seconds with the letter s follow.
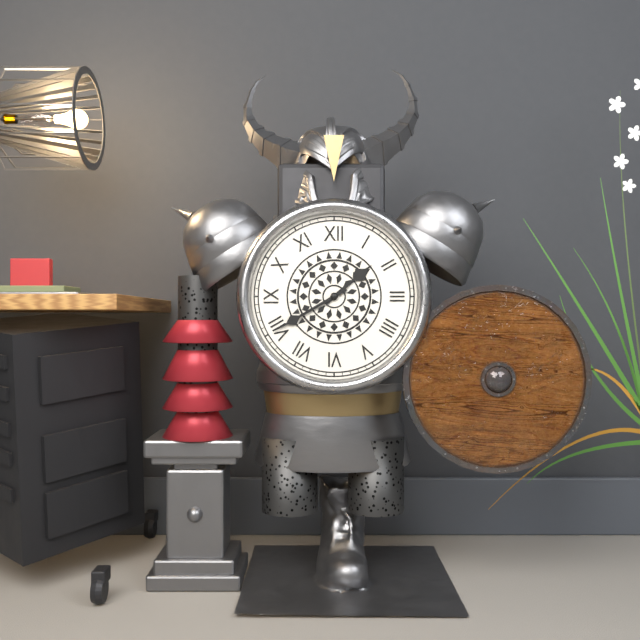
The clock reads 1h40
